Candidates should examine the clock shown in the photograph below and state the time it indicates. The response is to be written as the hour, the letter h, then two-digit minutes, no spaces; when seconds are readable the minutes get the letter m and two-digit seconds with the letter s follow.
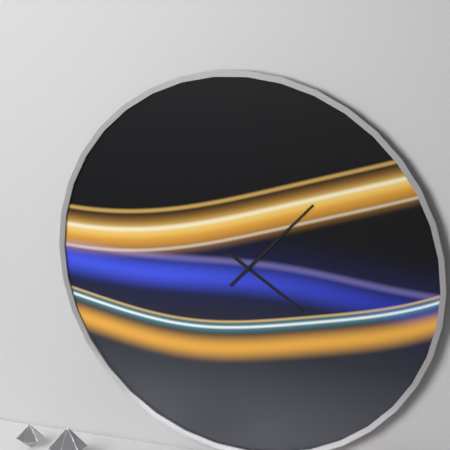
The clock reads 4h07
